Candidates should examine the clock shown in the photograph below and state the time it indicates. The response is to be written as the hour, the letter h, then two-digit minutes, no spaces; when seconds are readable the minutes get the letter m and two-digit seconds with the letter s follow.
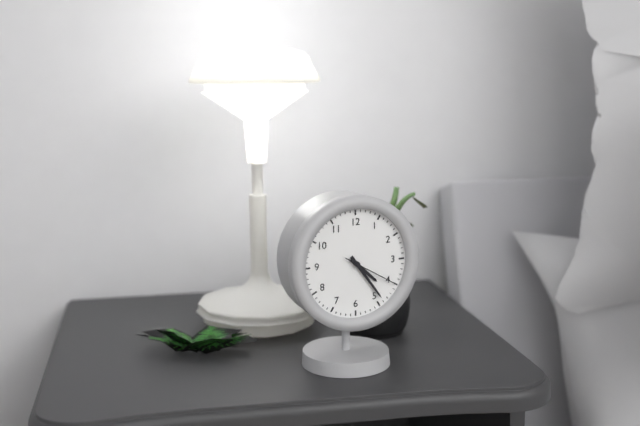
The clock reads 4h24m20s
